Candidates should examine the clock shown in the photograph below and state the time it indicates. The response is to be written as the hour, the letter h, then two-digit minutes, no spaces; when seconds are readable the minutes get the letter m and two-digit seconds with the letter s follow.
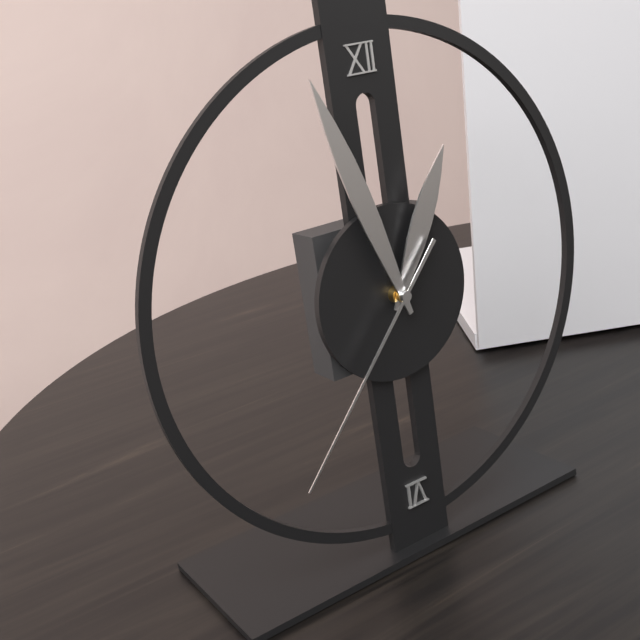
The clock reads 12h57m37s
